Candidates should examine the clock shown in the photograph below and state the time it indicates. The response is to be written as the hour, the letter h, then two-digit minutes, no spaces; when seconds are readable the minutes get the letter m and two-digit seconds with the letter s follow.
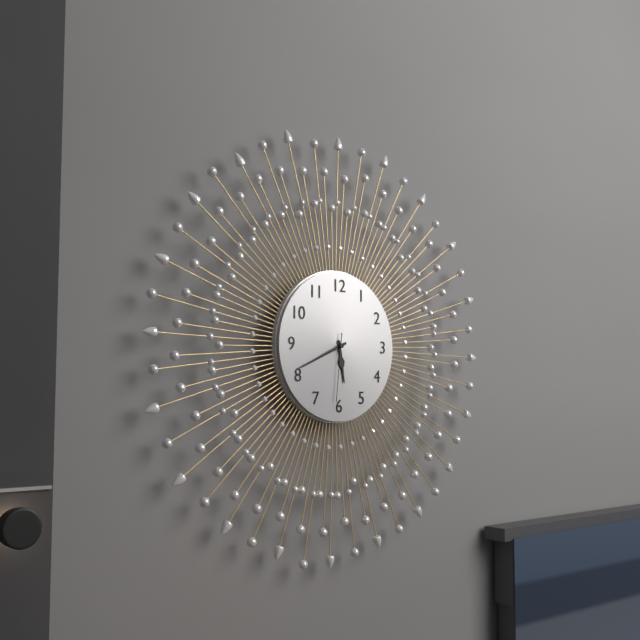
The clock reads 5h41m31s
